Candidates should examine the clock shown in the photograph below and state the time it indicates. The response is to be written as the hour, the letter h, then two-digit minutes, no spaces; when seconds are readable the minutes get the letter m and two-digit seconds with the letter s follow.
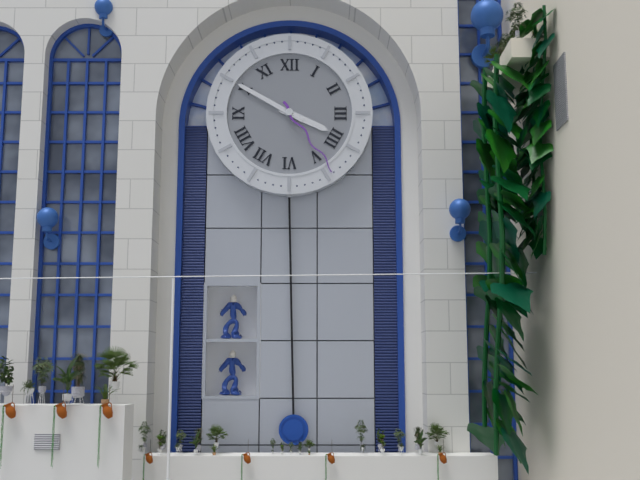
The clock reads 3h50m24s
